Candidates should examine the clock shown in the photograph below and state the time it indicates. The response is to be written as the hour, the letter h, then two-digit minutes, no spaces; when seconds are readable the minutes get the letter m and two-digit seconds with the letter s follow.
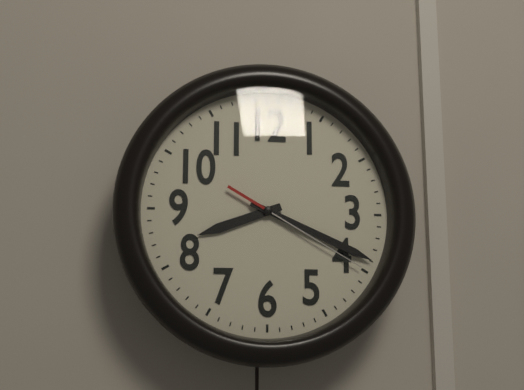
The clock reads 8h19m20s
